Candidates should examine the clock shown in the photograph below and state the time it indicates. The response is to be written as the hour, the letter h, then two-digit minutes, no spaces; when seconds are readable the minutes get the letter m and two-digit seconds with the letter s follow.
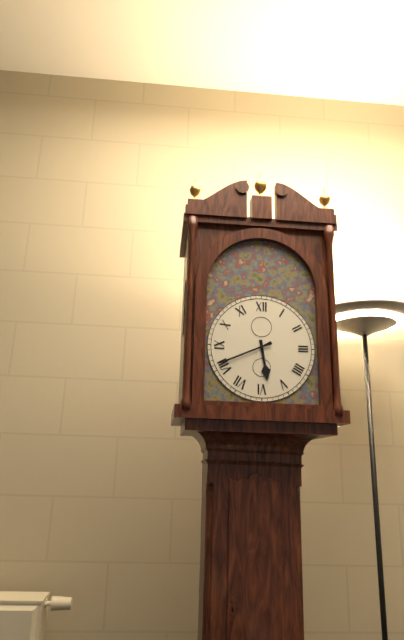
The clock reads 5h41
